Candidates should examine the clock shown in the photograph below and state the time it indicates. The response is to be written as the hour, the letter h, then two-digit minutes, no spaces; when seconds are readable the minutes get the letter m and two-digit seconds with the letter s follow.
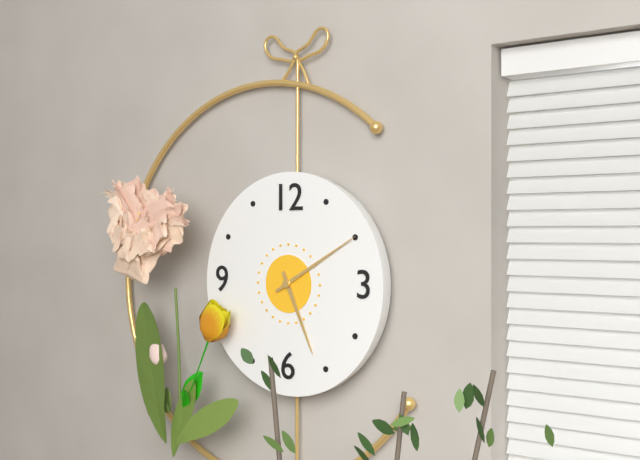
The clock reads 5h10
